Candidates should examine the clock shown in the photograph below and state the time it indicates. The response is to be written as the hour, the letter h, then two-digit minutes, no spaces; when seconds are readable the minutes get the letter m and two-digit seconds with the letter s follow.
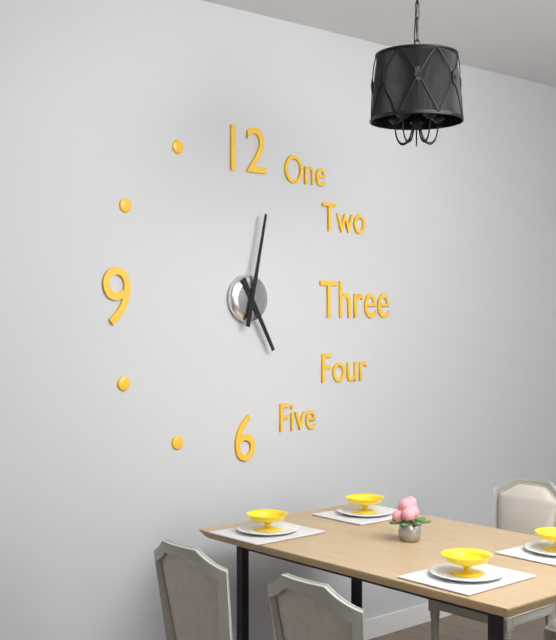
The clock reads 5h02
